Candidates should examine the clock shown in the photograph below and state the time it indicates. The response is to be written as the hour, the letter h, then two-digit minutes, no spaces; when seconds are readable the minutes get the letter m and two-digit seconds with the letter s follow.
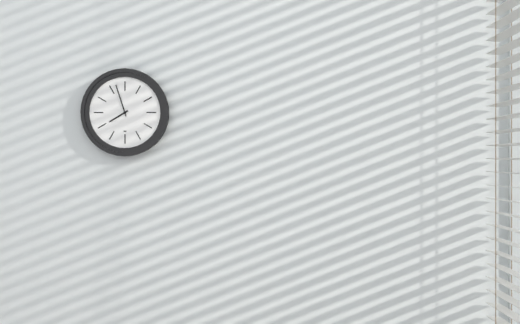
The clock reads 7h57
